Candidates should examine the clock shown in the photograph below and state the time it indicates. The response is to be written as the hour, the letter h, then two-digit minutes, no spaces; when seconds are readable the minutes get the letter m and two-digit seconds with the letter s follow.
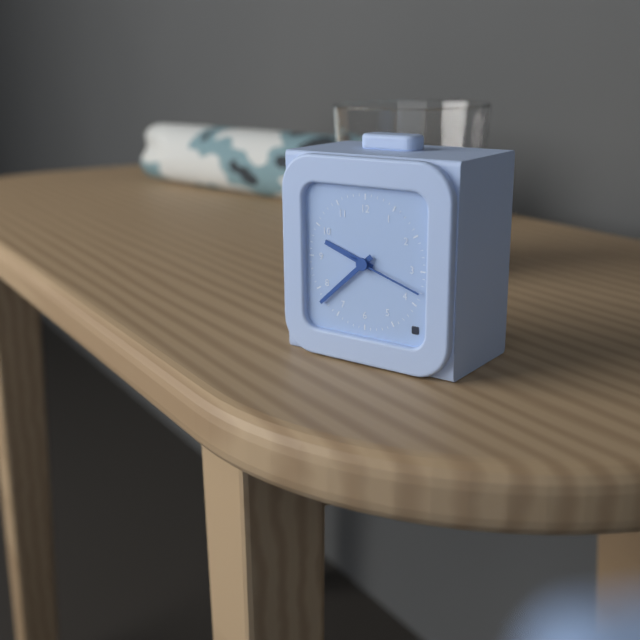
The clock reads 9h38m18s
